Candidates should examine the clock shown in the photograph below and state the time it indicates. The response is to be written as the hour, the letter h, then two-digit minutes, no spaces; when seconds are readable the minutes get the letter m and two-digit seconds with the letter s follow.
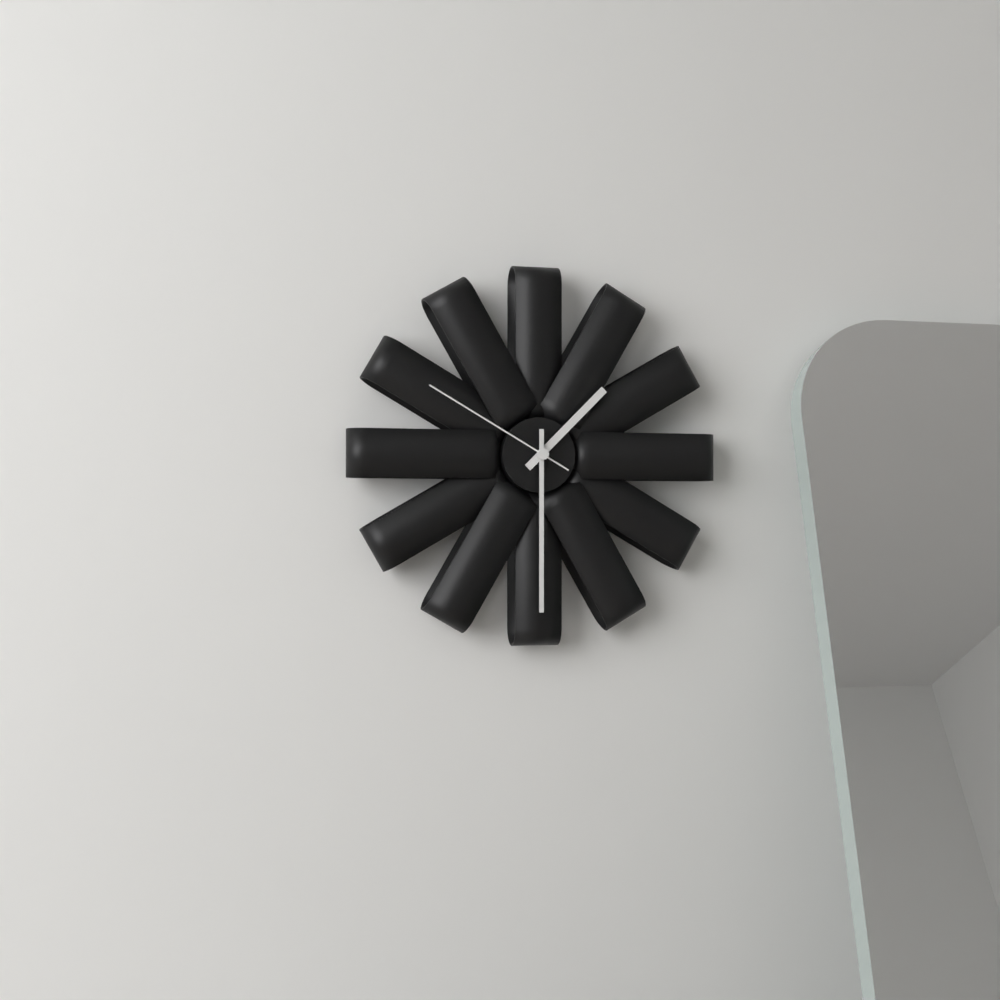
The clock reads 1h30m50s
